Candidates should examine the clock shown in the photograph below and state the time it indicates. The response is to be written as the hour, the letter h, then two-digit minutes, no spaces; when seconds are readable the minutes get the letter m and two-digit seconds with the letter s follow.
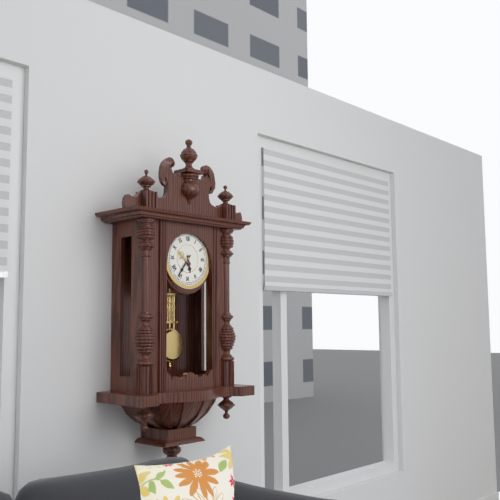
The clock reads 5h36
